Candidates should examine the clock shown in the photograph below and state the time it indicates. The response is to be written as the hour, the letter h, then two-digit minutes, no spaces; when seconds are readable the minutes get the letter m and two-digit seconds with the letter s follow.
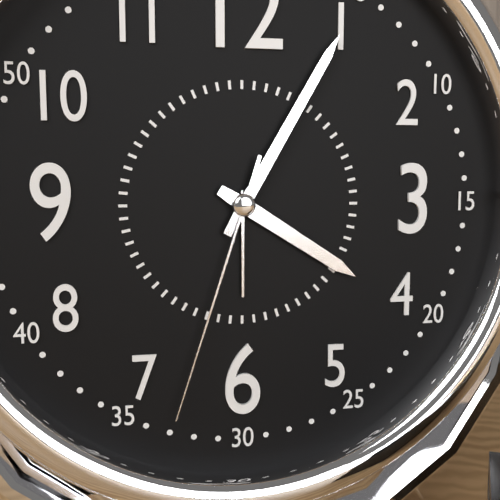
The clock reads 4h05m33s
